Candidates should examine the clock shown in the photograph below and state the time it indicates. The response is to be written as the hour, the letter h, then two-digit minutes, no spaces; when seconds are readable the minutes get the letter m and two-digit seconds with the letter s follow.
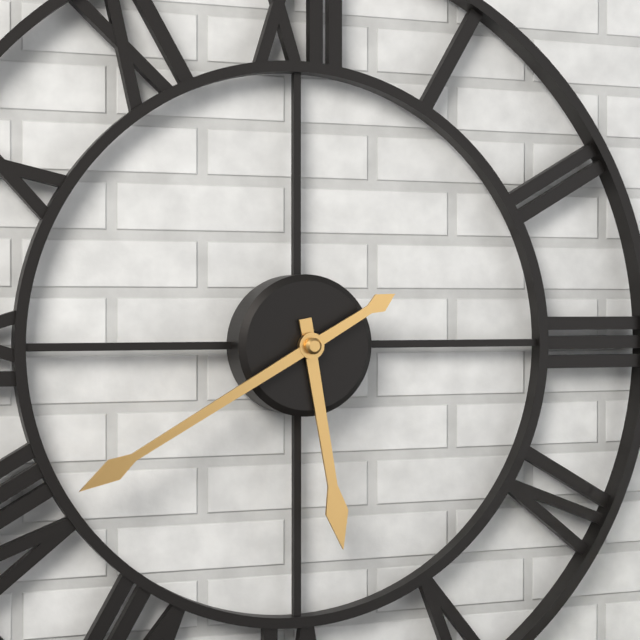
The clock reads 5h40
